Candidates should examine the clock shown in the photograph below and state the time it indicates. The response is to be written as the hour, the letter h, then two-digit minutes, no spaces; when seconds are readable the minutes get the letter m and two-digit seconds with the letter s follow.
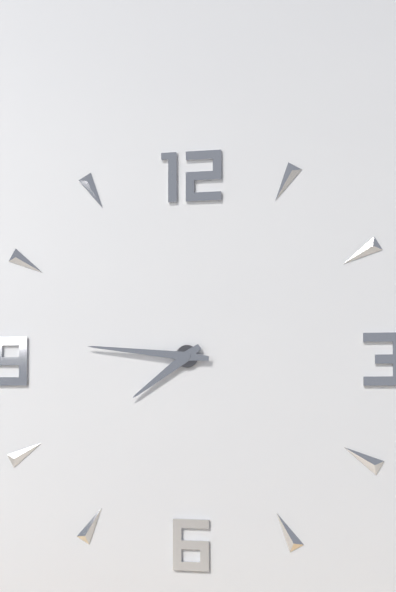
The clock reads 7h46
